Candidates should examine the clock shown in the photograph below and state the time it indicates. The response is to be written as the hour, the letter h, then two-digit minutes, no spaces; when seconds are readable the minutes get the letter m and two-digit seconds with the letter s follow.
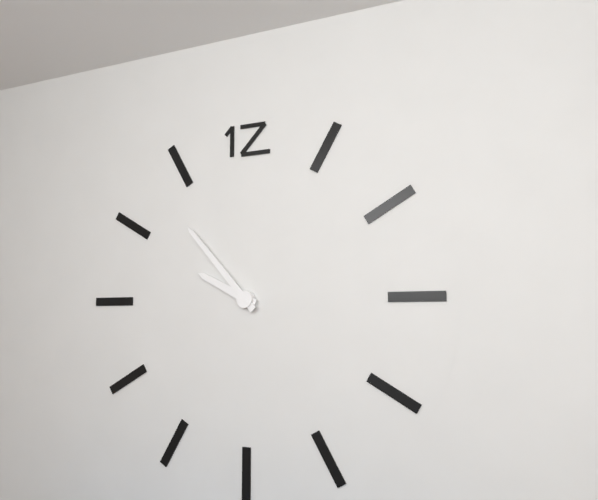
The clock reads 9h53
